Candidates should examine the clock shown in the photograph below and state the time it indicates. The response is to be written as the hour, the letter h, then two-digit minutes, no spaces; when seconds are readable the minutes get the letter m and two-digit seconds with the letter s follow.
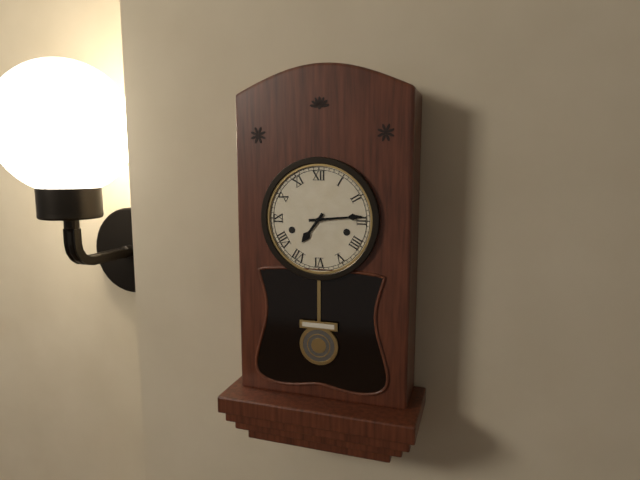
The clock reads 7h14
